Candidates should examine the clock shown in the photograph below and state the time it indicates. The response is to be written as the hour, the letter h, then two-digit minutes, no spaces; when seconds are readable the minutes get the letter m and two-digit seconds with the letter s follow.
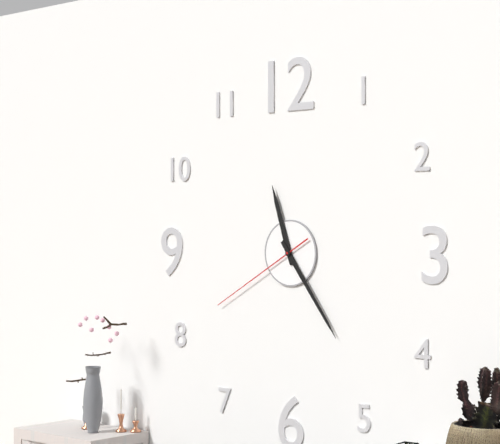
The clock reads 11h24m40s
